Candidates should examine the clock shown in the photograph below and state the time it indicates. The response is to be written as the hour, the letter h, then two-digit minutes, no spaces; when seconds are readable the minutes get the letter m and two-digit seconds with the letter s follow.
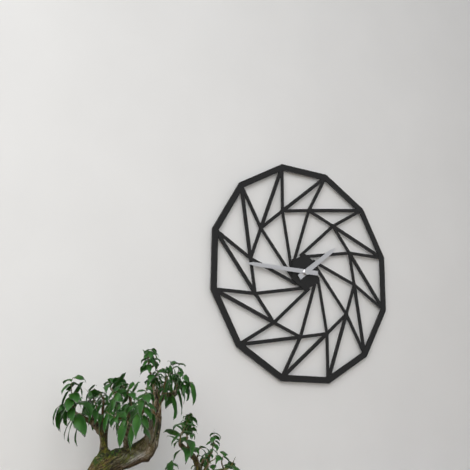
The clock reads 1h45
